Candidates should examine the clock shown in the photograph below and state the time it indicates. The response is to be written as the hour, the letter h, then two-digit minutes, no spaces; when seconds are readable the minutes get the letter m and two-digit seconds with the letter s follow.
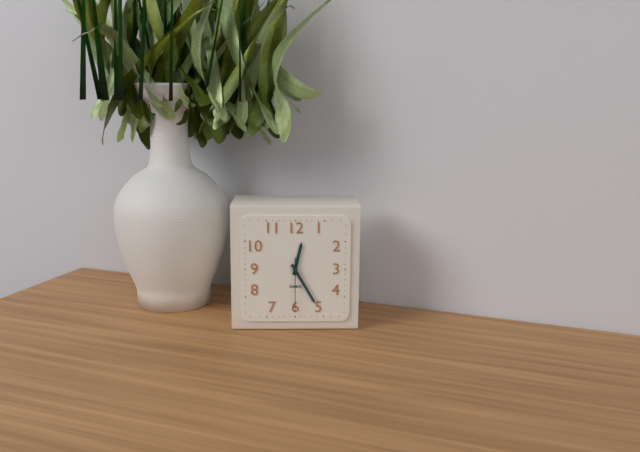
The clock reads 12h25m30s
